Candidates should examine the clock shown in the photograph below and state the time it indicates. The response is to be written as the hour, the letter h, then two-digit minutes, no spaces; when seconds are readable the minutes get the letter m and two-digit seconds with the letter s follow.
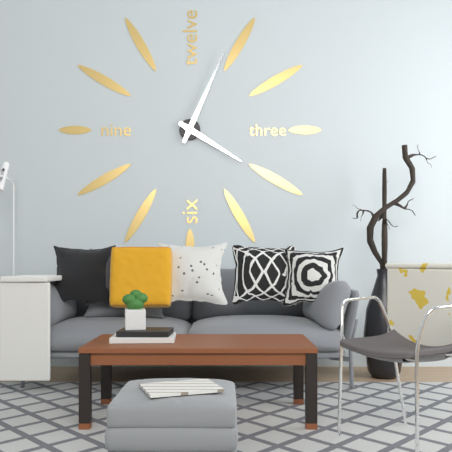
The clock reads 4h04
